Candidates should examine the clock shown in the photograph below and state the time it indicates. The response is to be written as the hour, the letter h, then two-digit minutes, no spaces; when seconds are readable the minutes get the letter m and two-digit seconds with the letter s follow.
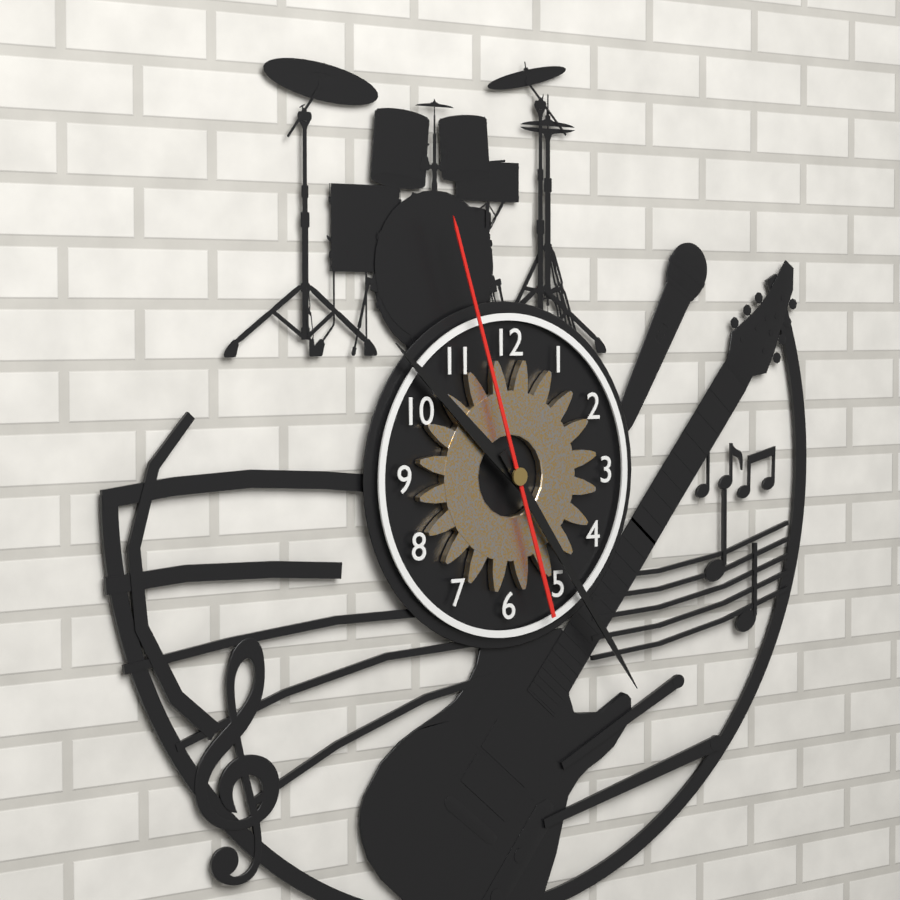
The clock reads 10h24m57s
